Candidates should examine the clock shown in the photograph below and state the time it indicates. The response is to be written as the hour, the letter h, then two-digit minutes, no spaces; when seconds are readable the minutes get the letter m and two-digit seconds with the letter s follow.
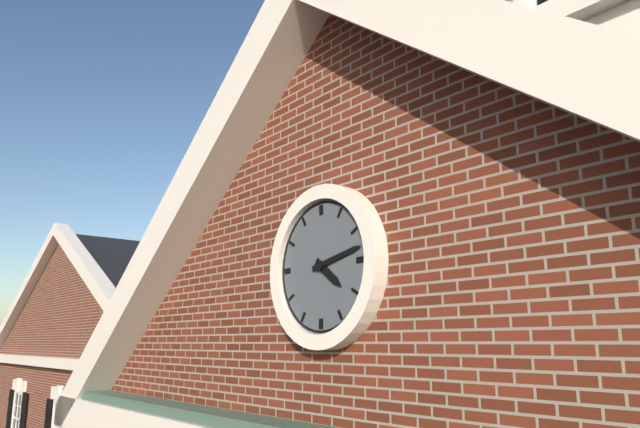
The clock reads 4h13
